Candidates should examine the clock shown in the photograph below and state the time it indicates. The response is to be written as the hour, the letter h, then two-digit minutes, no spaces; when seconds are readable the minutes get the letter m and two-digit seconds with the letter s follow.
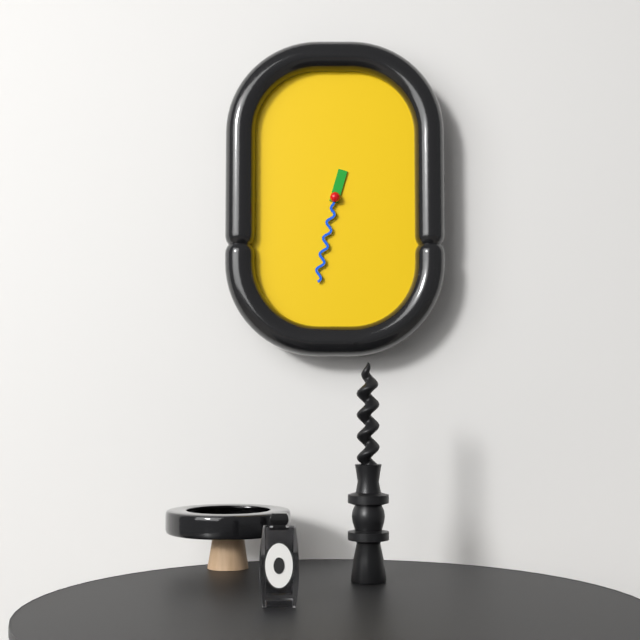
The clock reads 12h32
